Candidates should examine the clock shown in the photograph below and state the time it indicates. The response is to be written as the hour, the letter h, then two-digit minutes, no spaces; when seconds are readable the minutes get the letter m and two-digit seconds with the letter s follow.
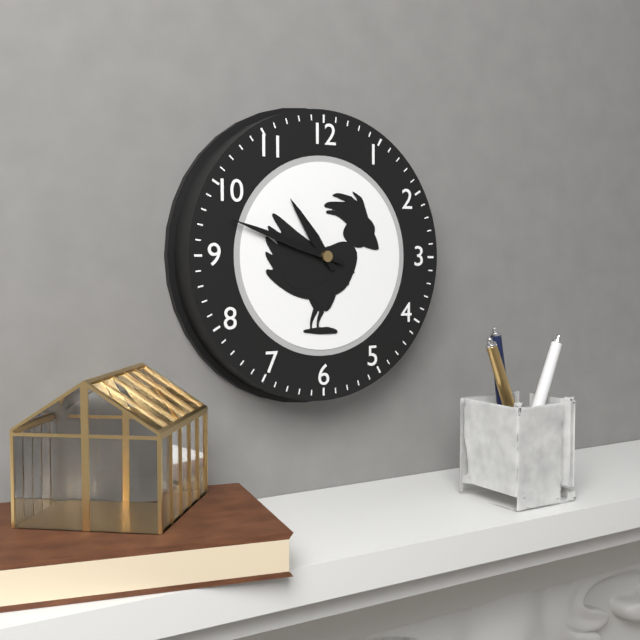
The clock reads 10h48
